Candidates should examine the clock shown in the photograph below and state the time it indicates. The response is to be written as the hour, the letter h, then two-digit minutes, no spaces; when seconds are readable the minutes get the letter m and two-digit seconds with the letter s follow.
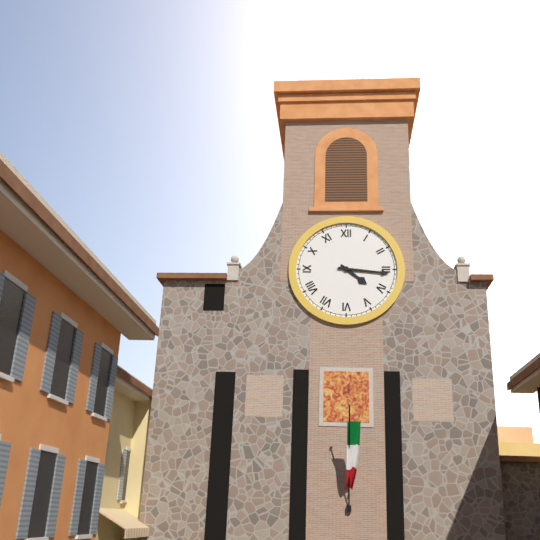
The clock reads 4h16
